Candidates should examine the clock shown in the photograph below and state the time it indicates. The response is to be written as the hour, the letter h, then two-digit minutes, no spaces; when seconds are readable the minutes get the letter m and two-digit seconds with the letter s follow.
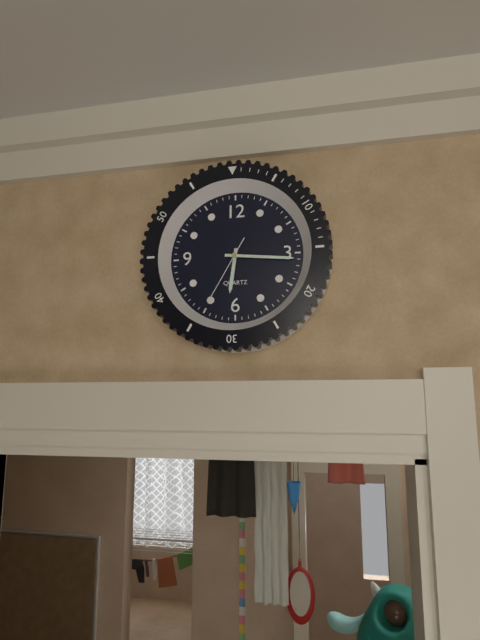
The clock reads 6h16m35s
